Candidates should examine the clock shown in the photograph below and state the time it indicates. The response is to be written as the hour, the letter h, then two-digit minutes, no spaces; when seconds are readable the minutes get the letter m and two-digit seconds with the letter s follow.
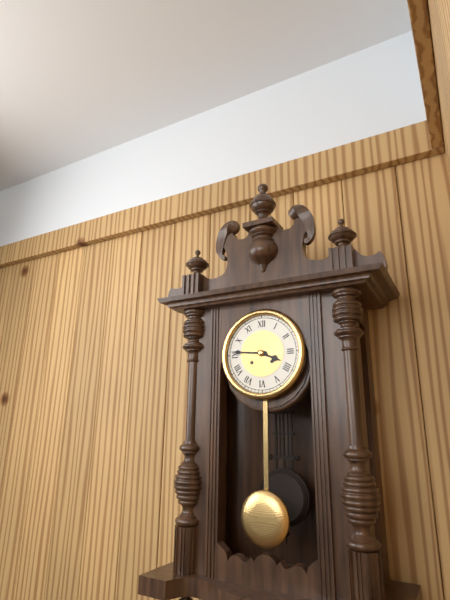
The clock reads 3h46
